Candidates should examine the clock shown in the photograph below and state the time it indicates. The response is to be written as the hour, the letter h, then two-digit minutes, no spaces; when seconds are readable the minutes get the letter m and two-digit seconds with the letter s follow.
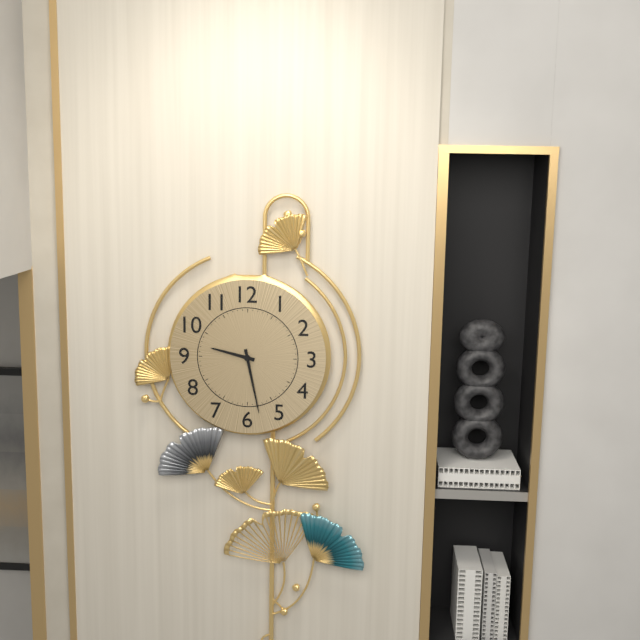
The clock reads 9h28
